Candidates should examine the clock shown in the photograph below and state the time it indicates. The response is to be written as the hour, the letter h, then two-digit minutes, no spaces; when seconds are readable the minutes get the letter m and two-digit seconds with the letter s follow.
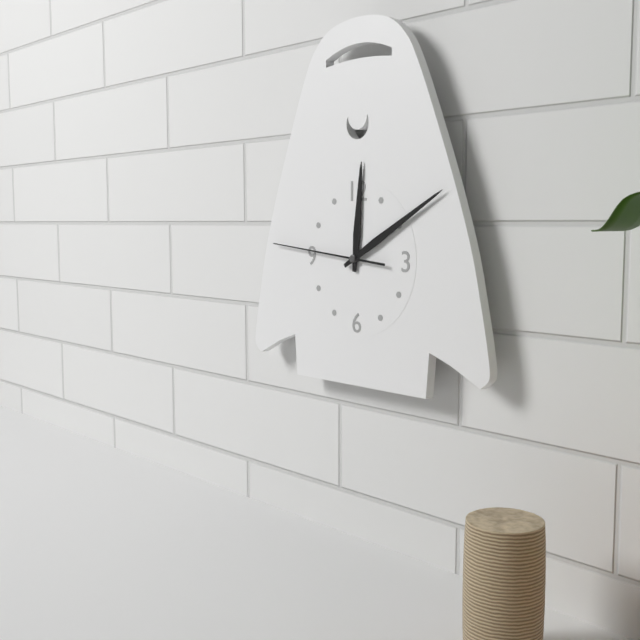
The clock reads 12h10m46s
